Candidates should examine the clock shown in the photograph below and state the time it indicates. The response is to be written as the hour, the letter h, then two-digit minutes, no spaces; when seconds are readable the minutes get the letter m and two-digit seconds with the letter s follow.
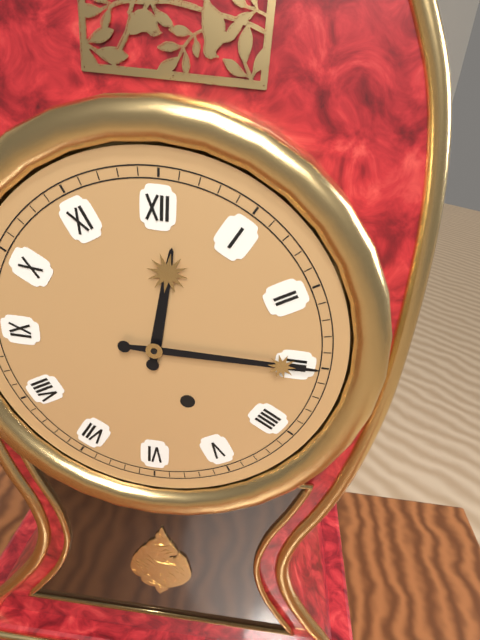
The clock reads 12h15
